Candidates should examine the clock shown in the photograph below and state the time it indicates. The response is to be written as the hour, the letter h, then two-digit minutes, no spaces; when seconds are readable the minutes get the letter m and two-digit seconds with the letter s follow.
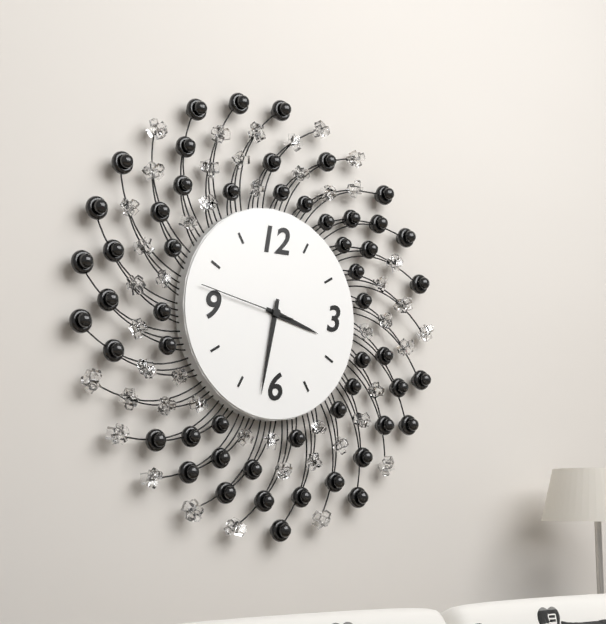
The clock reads 3h32m47s
